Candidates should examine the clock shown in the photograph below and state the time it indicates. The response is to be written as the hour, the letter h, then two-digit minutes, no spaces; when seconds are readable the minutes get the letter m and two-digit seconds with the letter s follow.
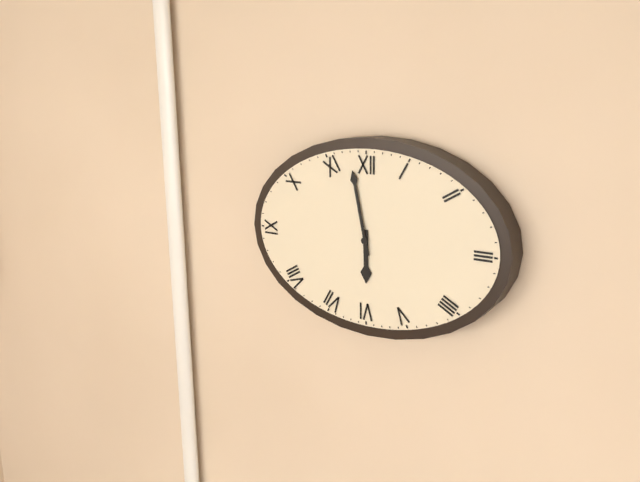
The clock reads 5h58
